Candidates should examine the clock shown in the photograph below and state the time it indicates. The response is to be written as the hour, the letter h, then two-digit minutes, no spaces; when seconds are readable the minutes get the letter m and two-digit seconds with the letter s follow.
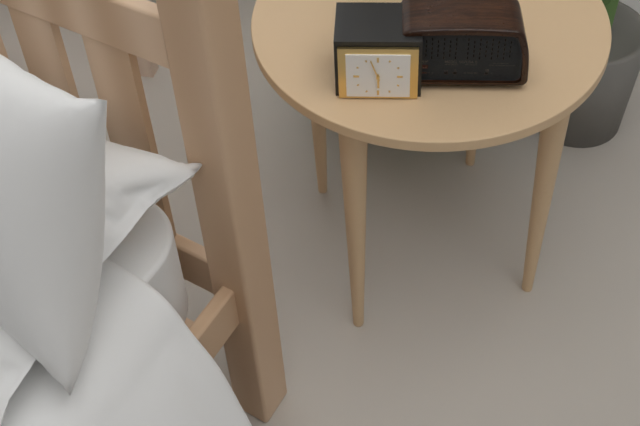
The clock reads 5h57
